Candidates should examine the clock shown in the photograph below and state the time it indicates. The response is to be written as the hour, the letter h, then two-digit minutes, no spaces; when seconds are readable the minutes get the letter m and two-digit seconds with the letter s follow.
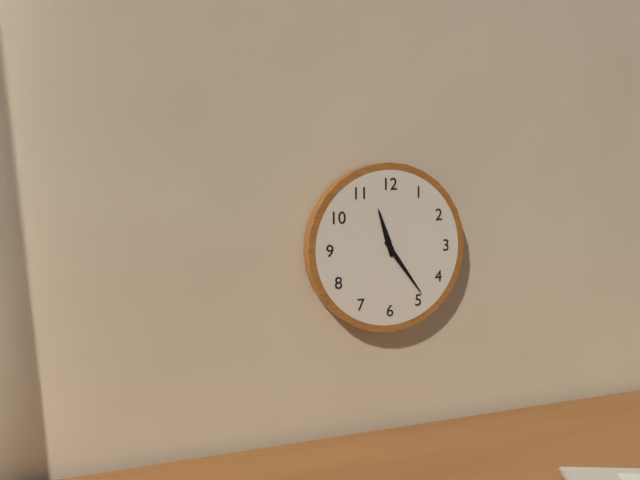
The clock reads 11h24
